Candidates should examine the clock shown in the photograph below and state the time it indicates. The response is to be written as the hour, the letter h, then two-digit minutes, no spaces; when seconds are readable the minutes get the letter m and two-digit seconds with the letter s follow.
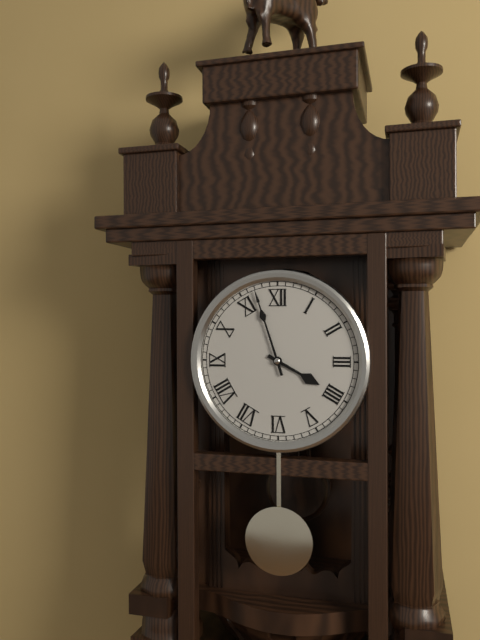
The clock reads 3h57
